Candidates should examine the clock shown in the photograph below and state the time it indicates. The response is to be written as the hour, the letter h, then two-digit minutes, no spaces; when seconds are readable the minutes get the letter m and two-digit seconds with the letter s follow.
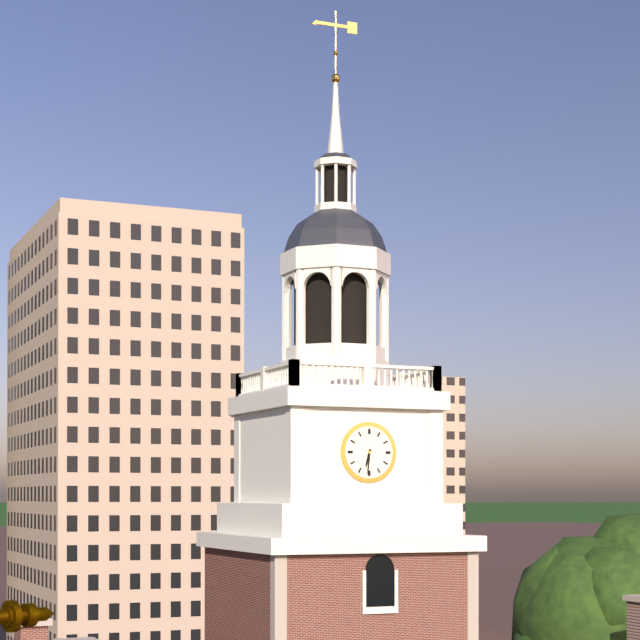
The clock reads 6h31
